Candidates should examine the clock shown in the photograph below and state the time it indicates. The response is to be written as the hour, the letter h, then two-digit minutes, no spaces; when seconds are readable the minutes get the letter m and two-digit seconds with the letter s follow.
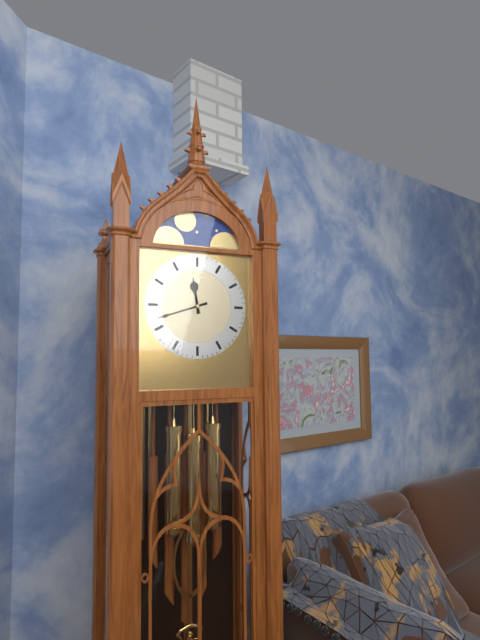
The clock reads 11h42
